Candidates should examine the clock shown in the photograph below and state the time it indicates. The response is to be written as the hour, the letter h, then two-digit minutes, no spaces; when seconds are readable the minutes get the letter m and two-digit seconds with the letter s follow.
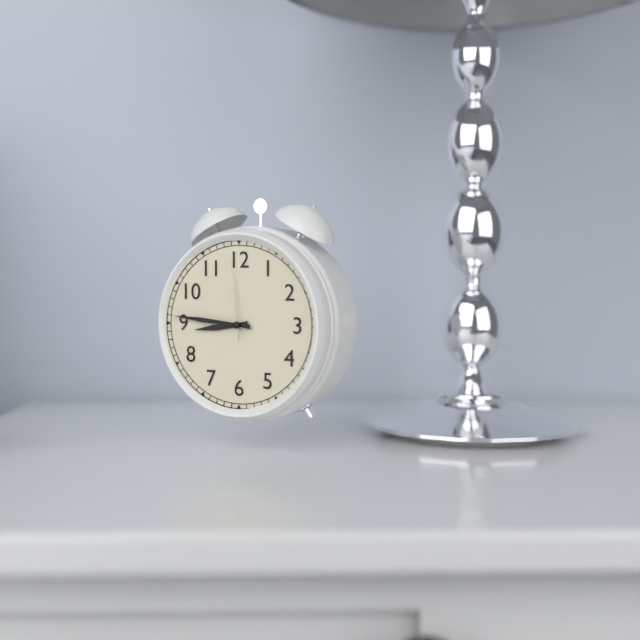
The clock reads 8h46m59s
